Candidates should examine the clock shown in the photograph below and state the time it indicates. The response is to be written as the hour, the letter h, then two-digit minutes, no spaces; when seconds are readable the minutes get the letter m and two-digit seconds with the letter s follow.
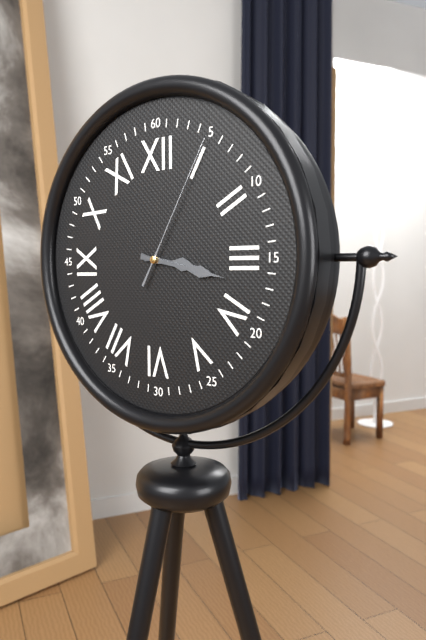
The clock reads 3h17m05s
